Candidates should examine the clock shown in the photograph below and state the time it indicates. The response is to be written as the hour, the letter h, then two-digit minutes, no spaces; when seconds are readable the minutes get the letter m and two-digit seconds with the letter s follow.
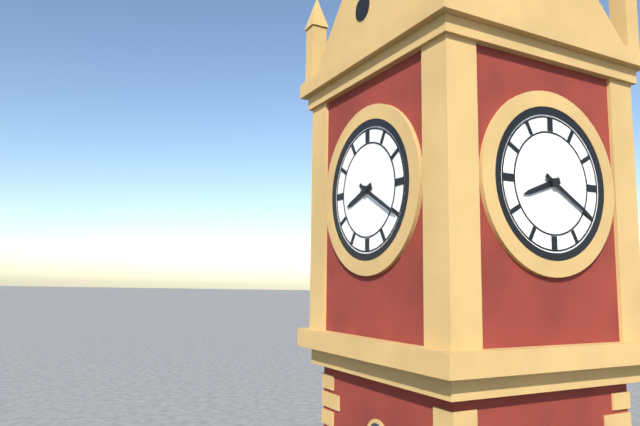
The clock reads 8h20
